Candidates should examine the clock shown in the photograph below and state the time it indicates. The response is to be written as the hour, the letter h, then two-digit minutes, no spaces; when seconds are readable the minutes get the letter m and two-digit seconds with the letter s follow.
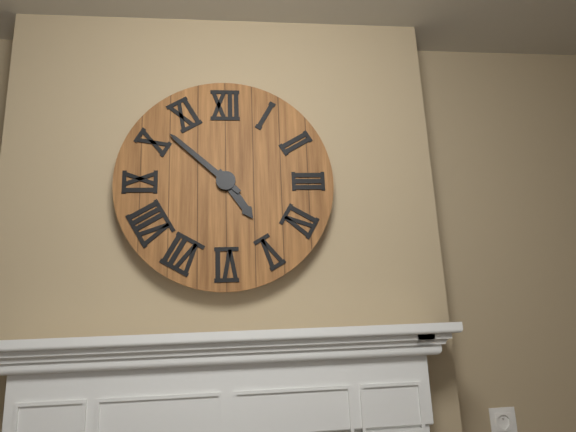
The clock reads 4h52
